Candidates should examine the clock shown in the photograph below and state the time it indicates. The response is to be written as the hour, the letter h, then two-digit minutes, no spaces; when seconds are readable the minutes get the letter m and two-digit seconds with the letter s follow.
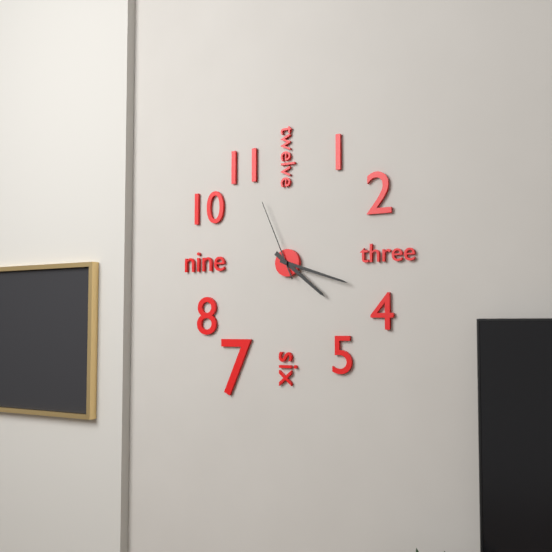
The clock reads 4h18m56s
